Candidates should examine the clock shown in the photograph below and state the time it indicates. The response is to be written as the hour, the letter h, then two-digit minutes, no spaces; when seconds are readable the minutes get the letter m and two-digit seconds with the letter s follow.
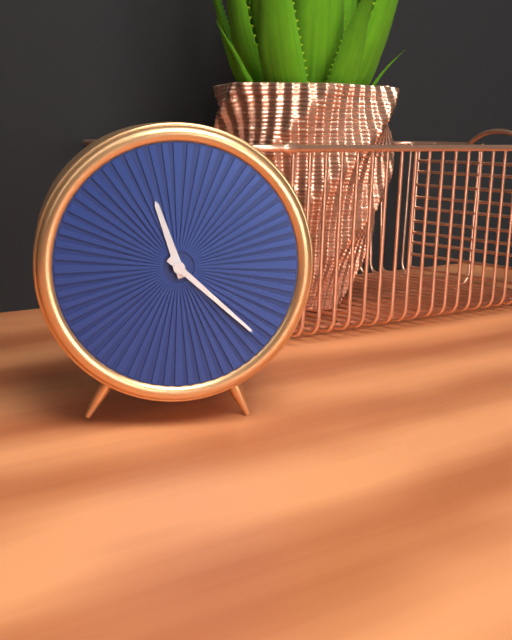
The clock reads 11h22
